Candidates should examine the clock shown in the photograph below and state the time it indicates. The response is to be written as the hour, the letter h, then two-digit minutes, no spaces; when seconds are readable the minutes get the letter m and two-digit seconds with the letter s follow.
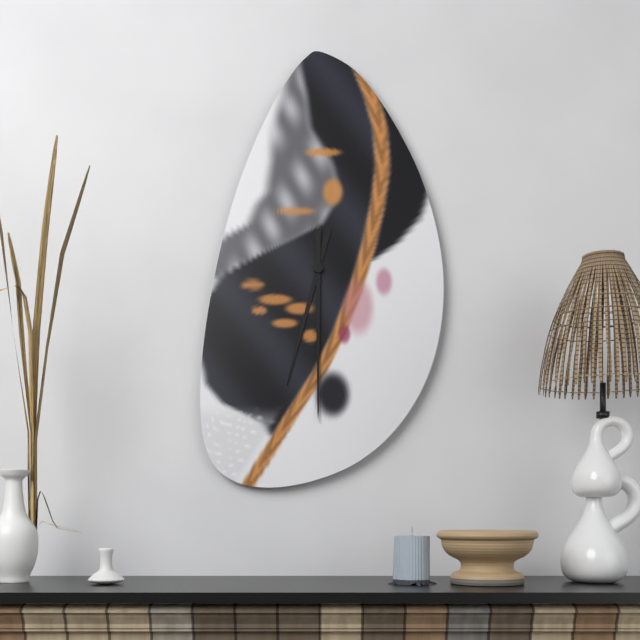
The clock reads 6h30
